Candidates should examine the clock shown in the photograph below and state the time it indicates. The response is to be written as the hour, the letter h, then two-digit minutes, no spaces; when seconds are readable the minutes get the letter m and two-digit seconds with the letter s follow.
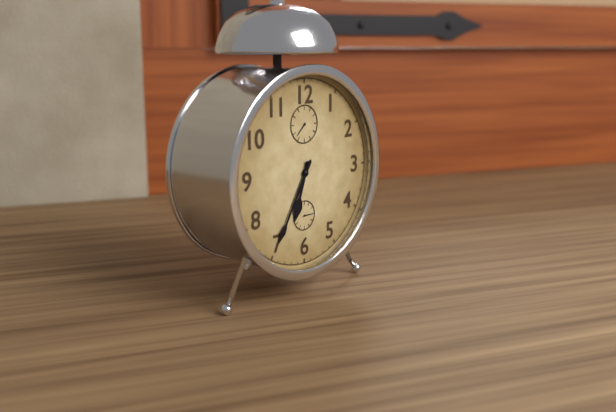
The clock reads 6h35
